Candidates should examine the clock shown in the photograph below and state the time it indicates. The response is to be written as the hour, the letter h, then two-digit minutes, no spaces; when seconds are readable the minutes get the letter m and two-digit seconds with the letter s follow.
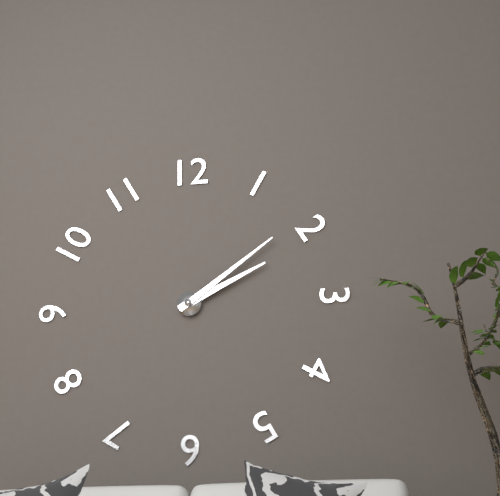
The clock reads 2h09
